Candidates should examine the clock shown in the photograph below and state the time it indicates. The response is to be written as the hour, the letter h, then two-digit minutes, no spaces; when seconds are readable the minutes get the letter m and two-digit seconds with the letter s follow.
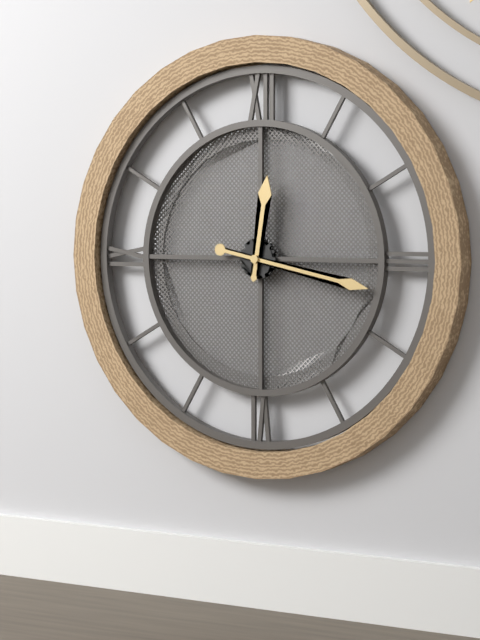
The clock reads 12h17
